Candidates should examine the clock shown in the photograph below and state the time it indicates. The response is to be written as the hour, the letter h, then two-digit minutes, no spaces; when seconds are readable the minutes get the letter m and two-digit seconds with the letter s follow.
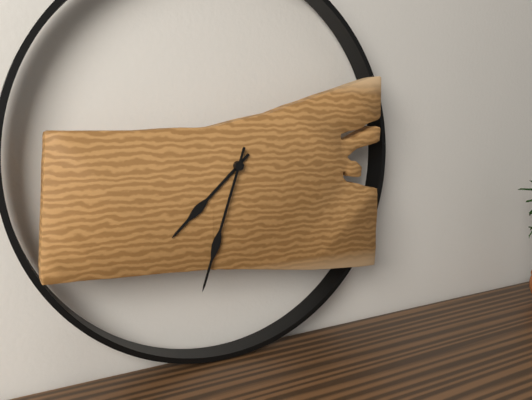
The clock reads 7h33
